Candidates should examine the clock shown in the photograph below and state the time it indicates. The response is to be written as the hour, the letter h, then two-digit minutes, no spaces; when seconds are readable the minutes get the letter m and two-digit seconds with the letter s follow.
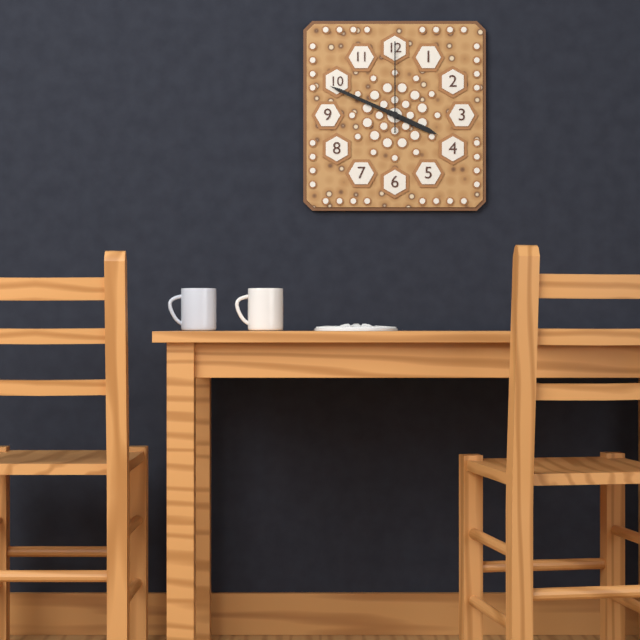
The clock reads 3h49m00s
